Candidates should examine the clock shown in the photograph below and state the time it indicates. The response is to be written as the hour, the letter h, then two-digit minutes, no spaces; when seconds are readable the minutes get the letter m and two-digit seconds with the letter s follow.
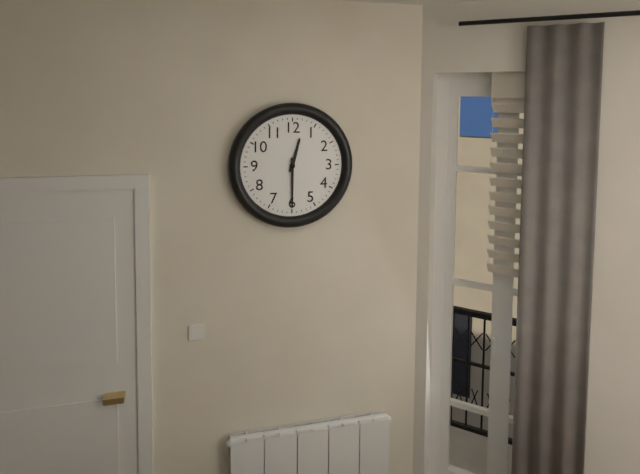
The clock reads 12h30
